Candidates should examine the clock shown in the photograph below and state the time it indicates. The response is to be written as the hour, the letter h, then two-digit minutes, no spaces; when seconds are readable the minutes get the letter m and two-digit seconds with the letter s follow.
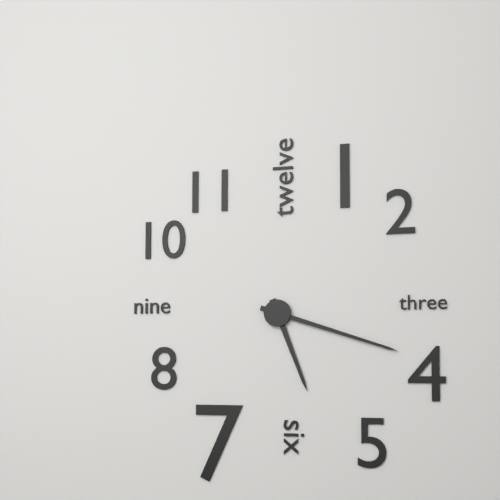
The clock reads 5h18
